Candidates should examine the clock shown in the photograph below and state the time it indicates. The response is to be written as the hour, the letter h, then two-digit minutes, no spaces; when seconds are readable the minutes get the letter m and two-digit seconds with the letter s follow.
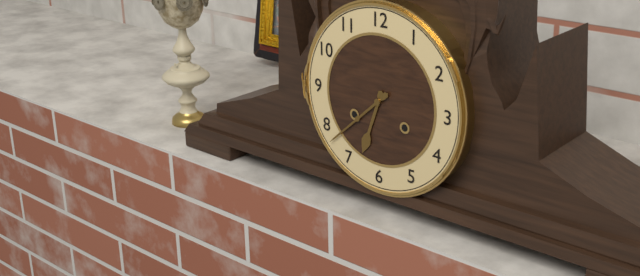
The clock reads 6h38
